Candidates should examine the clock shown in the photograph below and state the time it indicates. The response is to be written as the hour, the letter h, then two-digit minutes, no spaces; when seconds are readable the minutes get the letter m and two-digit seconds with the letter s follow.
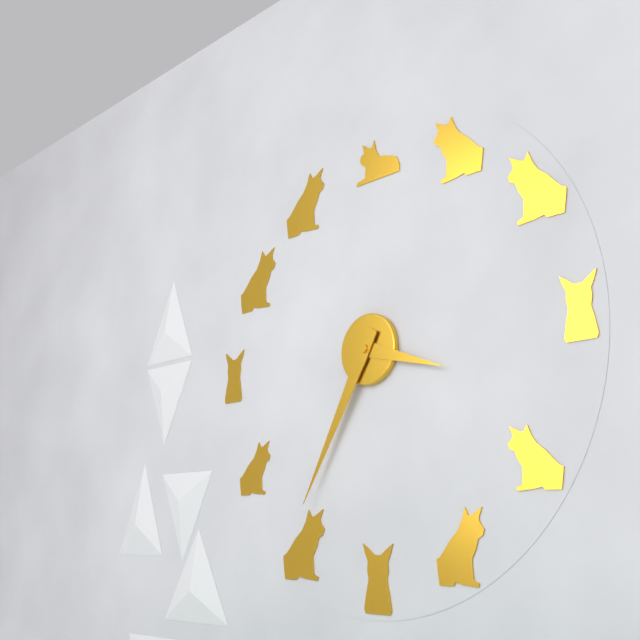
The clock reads 3h35
